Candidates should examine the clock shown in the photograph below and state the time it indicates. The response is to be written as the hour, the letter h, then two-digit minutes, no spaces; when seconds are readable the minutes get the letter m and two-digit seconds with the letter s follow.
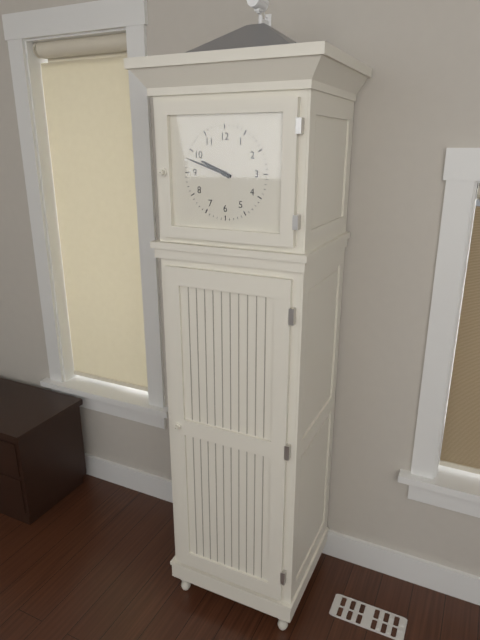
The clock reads 9h48
